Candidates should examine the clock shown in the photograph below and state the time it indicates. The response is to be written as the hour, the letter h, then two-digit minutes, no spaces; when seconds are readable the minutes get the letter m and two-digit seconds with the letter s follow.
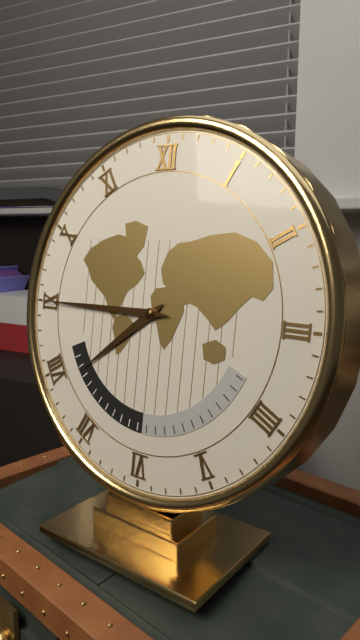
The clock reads 7h45
